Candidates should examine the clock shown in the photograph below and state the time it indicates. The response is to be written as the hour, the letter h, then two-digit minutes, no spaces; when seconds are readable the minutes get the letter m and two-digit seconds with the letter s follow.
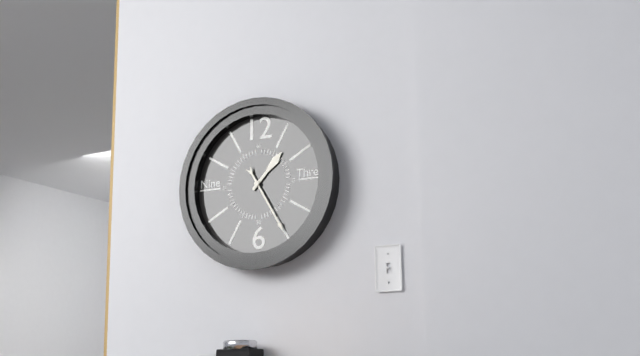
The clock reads 1h25
